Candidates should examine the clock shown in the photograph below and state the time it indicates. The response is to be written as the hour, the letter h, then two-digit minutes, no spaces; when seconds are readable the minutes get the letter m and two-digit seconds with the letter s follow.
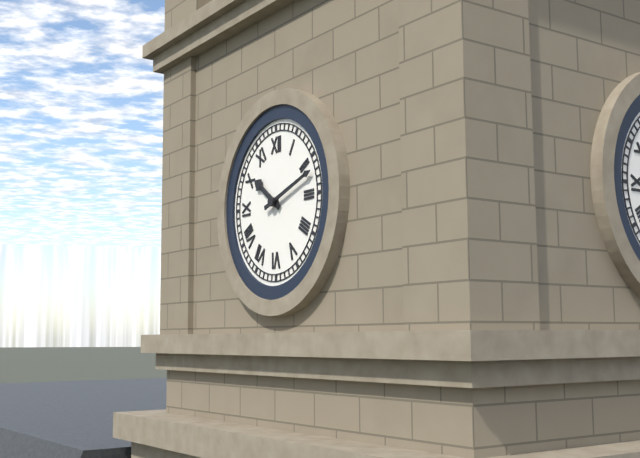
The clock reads 10h12
